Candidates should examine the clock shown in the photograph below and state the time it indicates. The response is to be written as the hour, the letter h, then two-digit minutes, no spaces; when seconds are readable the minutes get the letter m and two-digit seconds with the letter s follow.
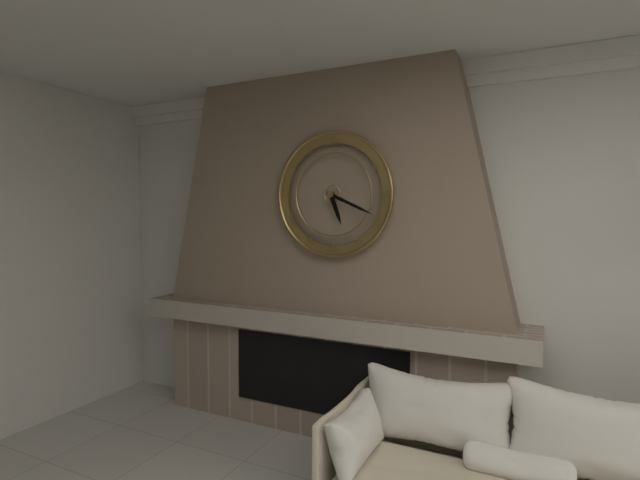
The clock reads 5h19
